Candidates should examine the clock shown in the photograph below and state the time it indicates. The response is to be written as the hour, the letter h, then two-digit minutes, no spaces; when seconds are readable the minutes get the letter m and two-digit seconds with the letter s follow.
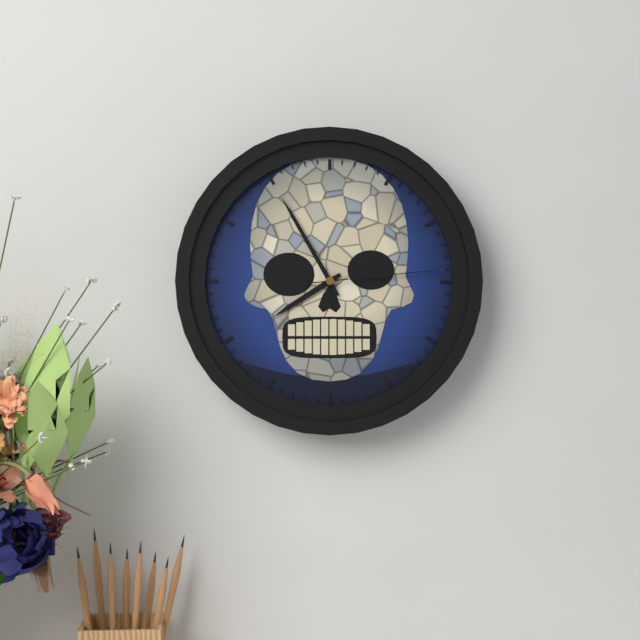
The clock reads 7h55m14s
